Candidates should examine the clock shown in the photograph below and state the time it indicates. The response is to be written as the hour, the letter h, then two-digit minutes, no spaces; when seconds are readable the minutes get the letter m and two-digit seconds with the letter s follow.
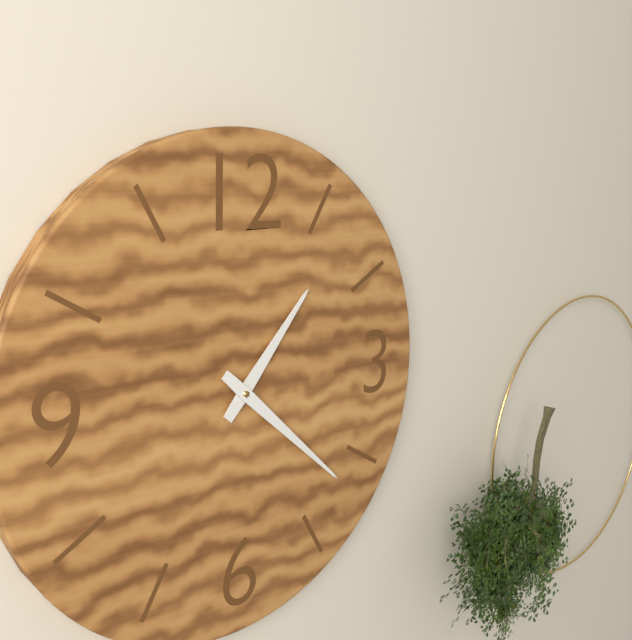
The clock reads 1h22
